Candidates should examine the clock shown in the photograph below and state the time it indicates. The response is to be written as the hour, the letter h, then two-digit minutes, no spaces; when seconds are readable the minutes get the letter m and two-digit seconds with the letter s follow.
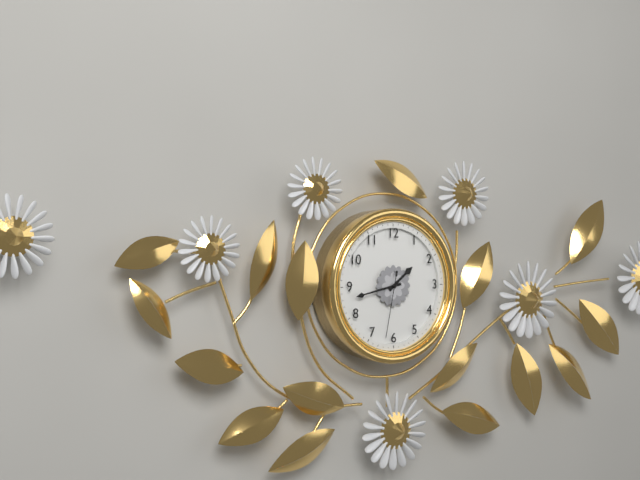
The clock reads 1h43m32s
